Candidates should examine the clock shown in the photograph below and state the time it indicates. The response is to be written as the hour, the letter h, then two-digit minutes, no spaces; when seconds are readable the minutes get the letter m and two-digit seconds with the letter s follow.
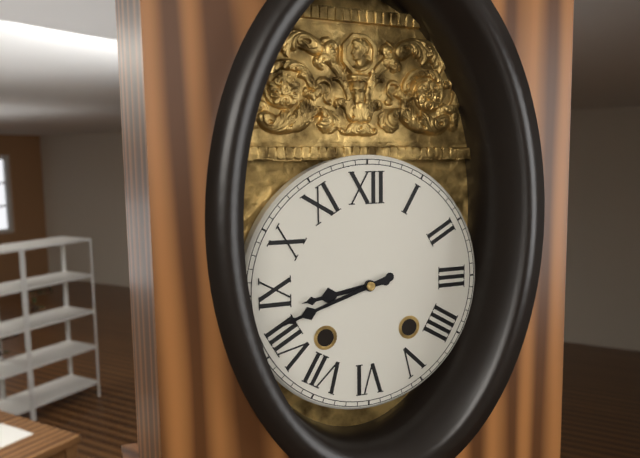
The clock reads 8h42
